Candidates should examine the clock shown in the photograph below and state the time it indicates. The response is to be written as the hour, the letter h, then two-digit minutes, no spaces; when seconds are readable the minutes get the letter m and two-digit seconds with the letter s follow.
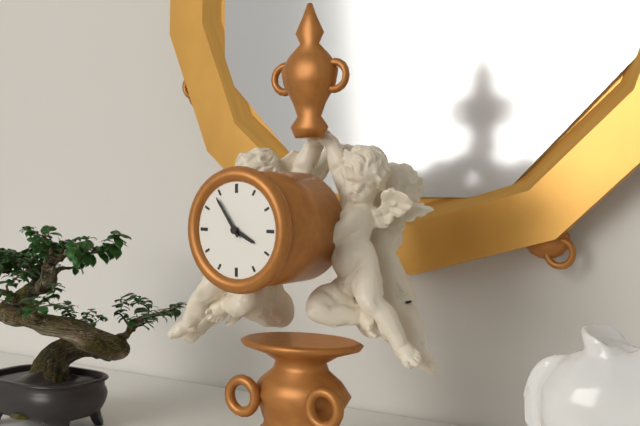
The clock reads 3h54
